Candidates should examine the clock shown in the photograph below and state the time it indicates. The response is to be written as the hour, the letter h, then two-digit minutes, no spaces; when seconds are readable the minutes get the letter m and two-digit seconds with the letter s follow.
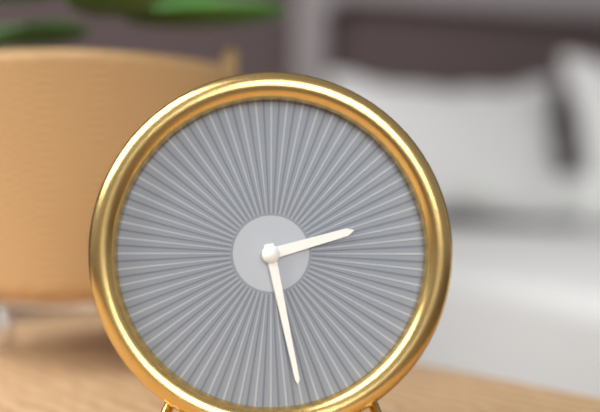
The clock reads 2h28
